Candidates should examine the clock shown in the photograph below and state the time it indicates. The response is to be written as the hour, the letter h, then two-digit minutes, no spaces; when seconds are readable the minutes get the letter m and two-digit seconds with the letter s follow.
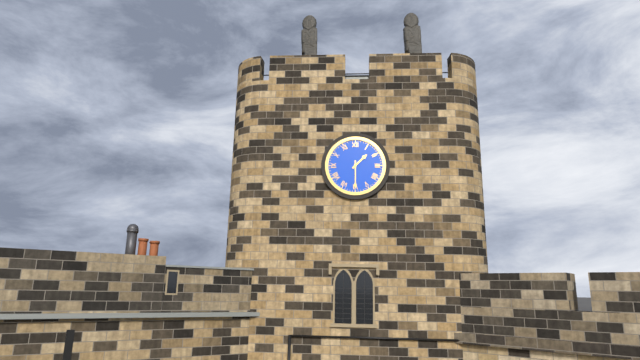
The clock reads 1h30
